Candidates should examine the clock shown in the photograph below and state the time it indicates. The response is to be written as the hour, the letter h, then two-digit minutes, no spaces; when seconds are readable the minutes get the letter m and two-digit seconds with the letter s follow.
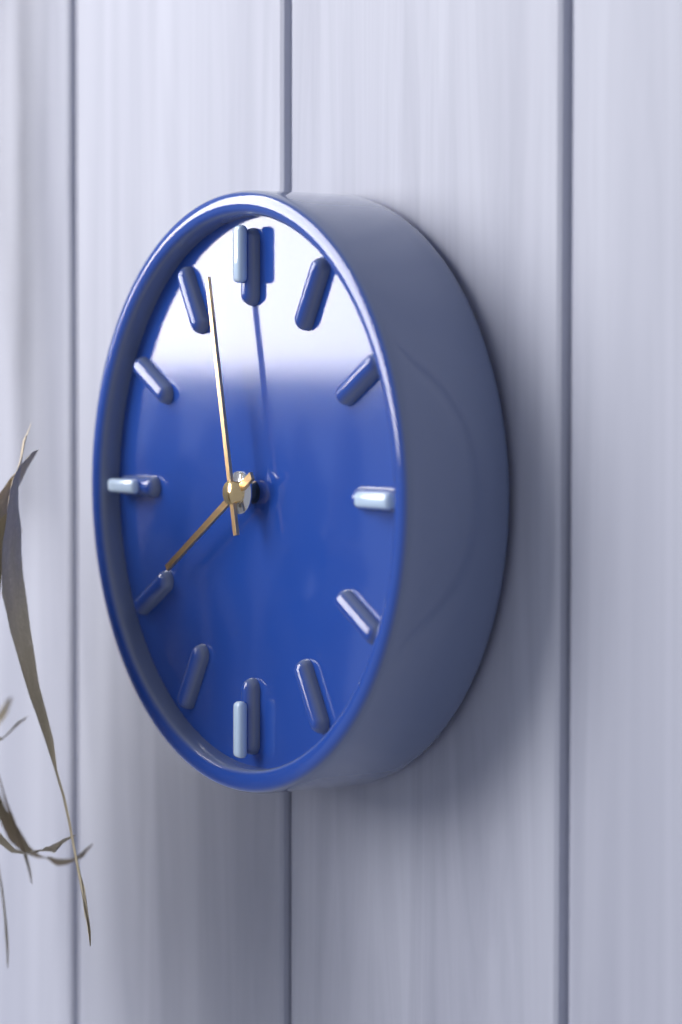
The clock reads 7h58
